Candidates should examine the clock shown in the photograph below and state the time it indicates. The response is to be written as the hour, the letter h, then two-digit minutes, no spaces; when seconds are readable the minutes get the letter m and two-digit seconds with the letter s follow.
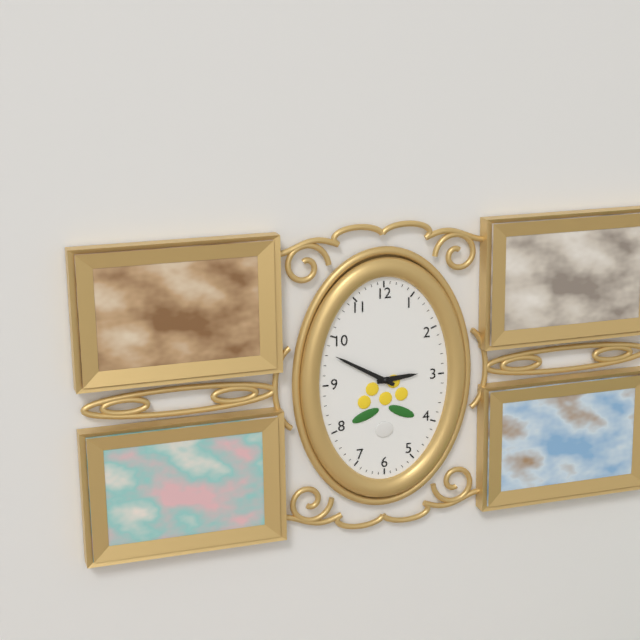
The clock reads 2h50
